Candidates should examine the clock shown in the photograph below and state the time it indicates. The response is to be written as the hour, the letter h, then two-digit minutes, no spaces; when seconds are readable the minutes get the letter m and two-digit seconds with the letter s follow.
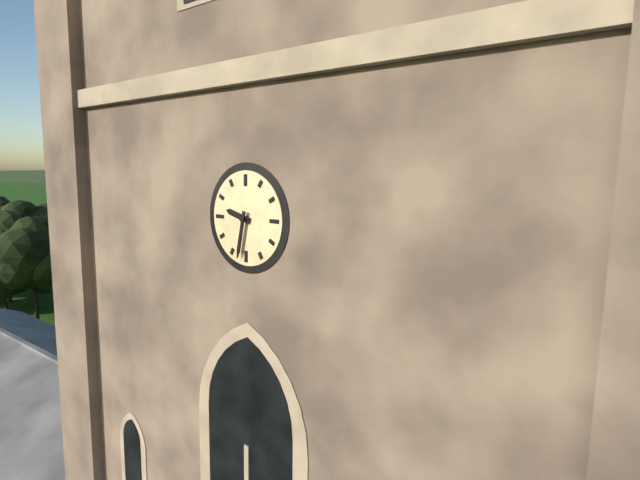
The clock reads 9h32
